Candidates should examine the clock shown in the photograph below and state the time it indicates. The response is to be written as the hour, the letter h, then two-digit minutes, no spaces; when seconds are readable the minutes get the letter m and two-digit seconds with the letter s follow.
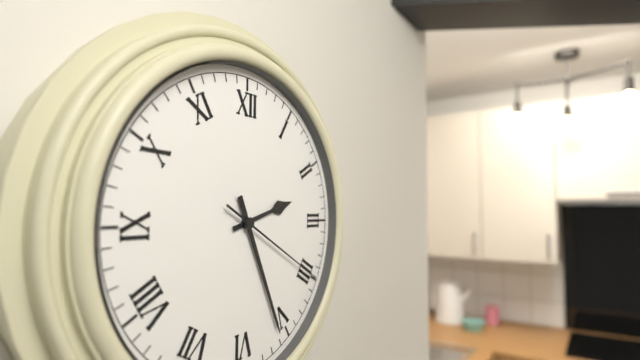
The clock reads 2h26m20s
